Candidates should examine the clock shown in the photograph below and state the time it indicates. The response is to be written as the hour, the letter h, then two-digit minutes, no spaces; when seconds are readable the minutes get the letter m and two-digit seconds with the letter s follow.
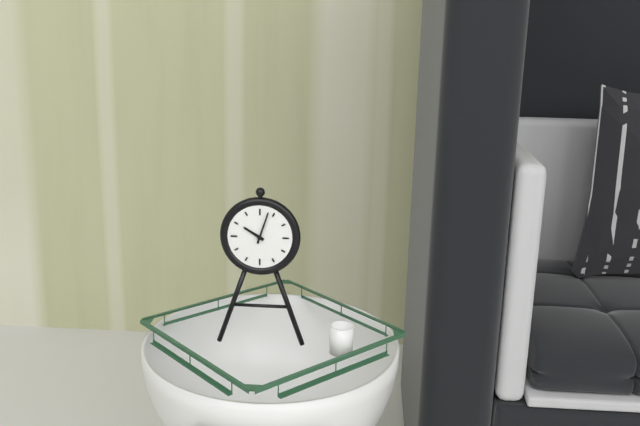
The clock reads 10h03
